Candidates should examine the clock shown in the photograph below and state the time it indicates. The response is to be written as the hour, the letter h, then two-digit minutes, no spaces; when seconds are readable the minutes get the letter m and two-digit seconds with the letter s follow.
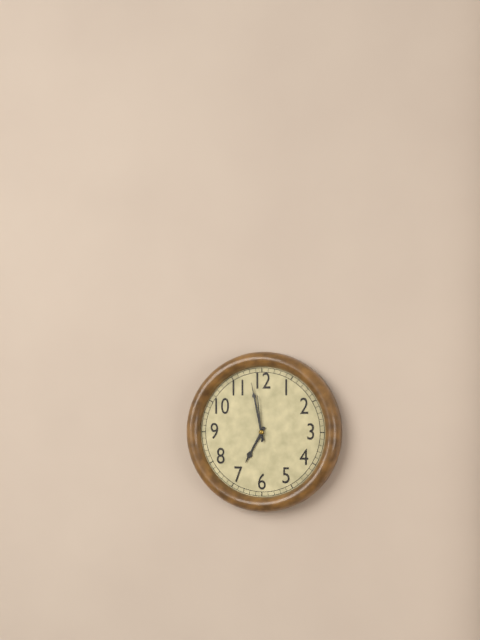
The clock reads 6h58
